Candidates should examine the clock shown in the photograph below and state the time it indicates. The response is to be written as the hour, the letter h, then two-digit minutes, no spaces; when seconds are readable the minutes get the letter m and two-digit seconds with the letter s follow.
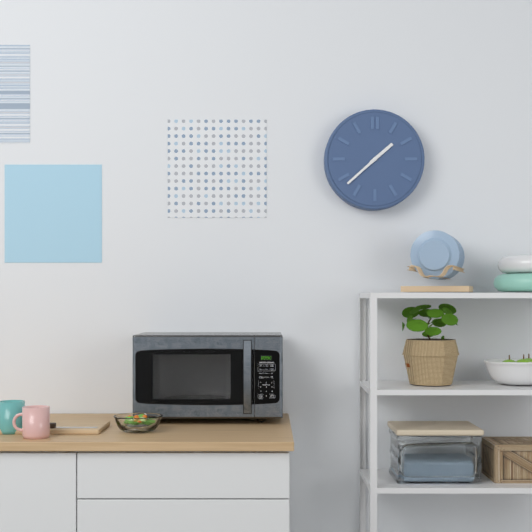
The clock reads 1h38
